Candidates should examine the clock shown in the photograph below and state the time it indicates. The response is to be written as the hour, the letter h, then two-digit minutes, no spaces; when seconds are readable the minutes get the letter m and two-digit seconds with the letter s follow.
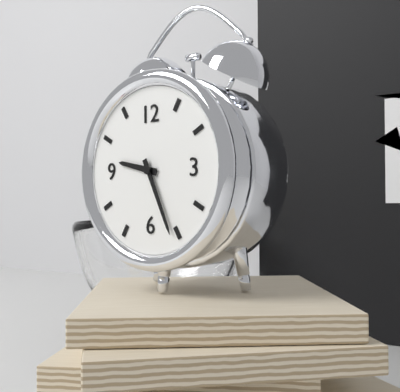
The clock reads 9h26
